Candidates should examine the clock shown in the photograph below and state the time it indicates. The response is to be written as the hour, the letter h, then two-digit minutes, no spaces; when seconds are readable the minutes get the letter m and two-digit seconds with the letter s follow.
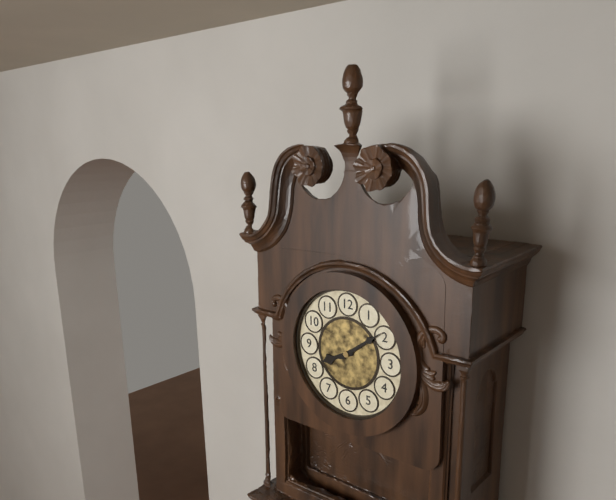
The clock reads 8h09
